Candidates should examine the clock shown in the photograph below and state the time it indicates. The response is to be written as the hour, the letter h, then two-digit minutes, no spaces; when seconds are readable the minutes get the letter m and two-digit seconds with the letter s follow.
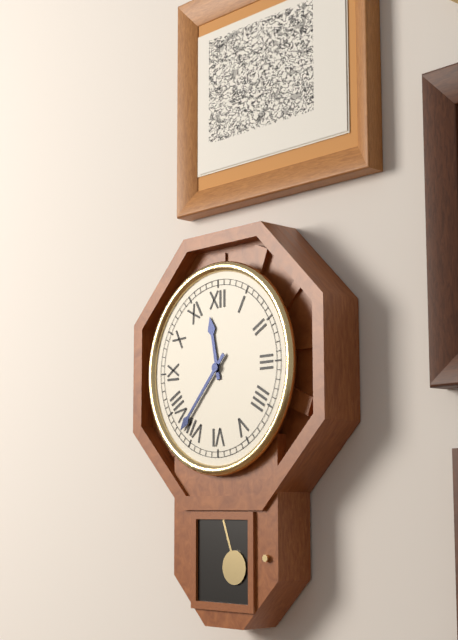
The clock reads 11h37
